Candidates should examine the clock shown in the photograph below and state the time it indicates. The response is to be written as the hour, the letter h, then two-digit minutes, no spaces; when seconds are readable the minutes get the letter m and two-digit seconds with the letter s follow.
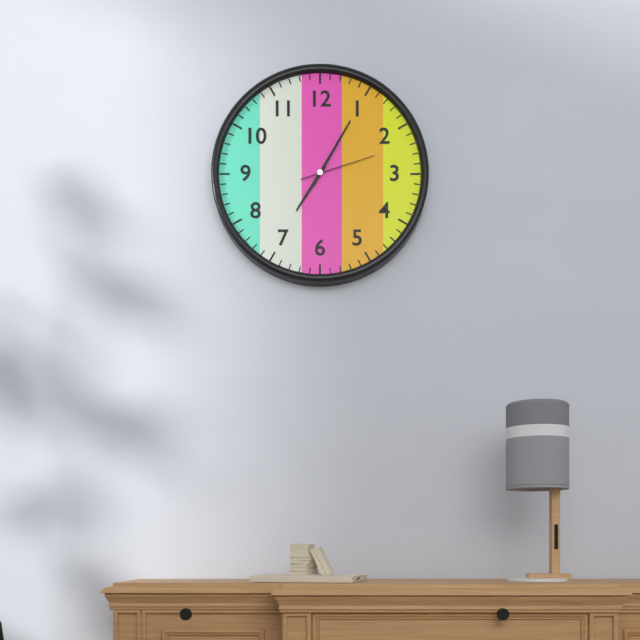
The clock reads 7h05m12s
